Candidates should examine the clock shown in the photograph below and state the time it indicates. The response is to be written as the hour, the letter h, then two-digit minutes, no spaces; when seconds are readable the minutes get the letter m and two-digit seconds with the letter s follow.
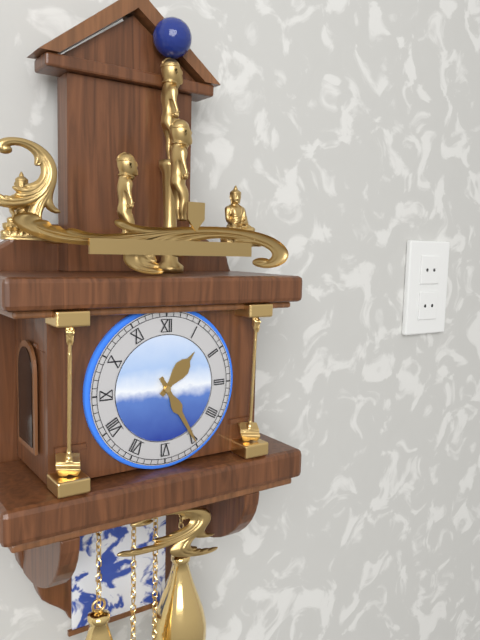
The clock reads 1h25
